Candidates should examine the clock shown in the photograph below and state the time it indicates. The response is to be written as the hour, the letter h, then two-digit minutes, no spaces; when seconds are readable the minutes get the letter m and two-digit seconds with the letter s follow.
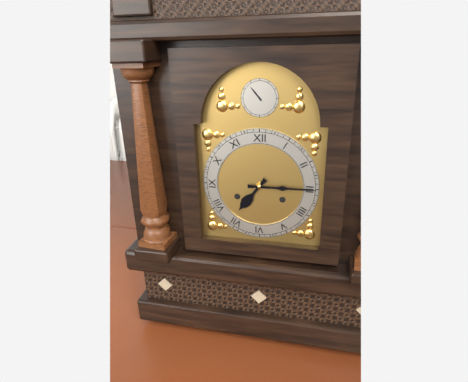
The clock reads 7h15
